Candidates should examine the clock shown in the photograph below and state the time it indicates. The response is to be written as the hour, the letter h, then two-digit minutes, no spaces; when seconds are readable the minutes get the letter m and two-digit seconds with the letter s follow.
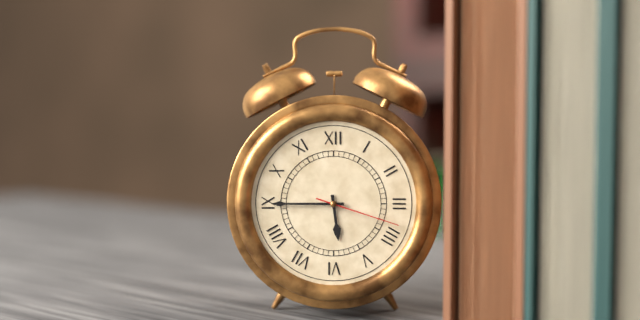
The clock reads 5h45m18s
